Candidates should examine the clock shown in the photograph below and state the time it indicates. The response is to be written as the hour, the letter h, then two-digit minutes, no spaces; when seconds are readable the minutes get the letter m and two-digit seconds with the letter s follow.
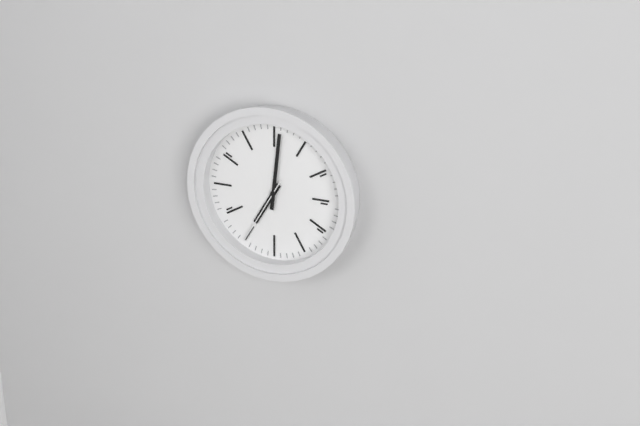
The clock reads 7h01m35s
